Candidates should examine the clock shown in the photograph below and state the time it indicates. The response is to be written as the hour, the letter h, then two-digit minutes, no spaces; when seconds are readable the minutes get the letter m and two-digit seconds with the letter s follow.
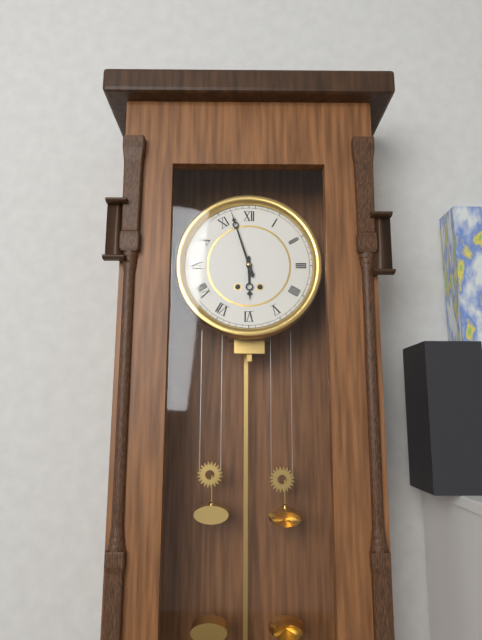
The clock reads 5h57
